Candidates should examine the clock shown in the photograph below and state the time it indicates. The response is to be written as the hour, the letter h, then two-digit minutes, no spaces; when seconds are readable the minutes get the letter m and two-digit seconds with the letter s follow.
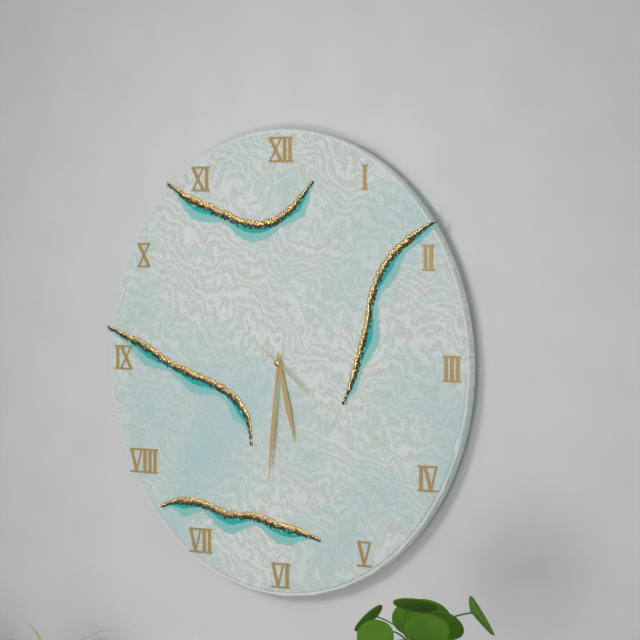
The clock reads 5h31m21s
